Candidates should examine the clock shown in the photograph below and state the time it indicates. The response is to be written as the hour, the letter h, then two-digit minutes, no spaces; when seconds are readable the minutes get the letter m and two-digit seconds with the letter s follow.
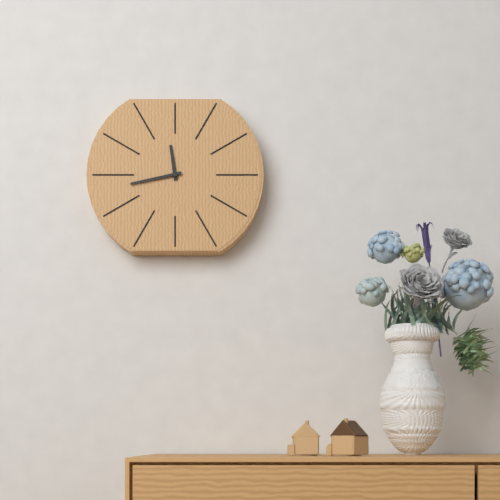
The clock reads 11h43
